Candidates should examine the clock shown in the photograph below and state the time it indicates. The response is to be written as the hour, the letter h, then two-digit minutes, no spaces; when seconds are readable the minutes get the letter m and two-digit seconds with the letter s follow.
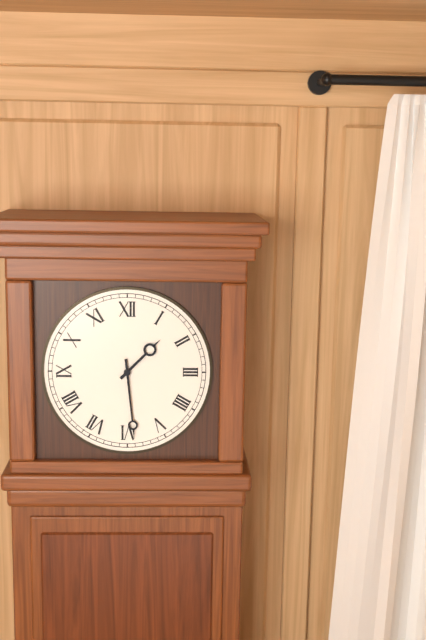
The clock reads 1h29
